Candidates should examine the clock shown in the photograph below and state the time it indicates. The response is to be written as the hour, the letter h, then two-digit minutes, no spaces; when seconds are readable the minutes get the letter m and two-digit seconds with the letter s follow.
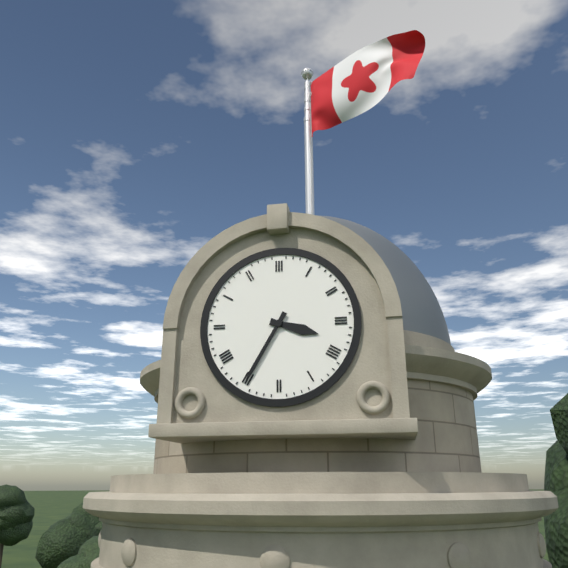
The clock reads 3h35
